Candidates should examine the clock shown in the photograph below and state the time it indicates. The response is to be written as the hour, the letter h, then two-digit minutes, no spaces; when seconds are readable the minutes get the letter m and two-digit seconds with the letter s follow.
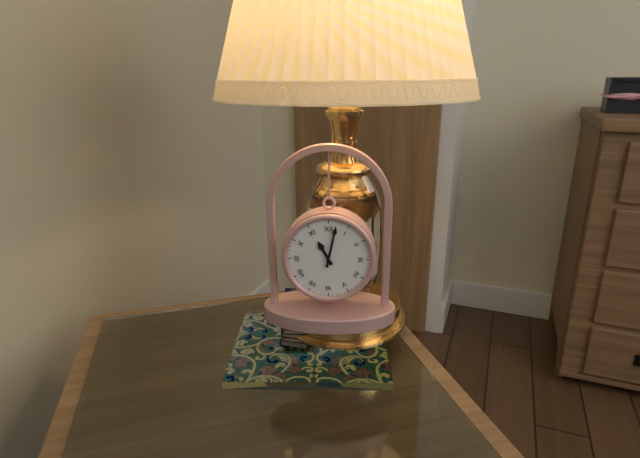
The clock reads 11h02
